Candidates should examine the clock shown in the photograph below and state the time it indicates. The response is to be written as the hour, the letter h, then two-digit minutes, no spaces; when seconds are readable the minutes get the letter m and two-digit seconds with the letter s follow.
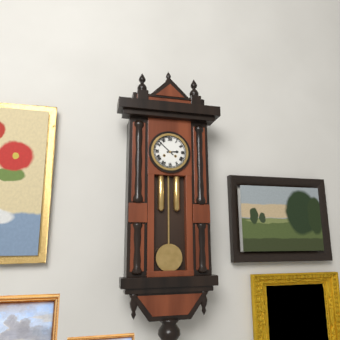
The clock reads 2h52
